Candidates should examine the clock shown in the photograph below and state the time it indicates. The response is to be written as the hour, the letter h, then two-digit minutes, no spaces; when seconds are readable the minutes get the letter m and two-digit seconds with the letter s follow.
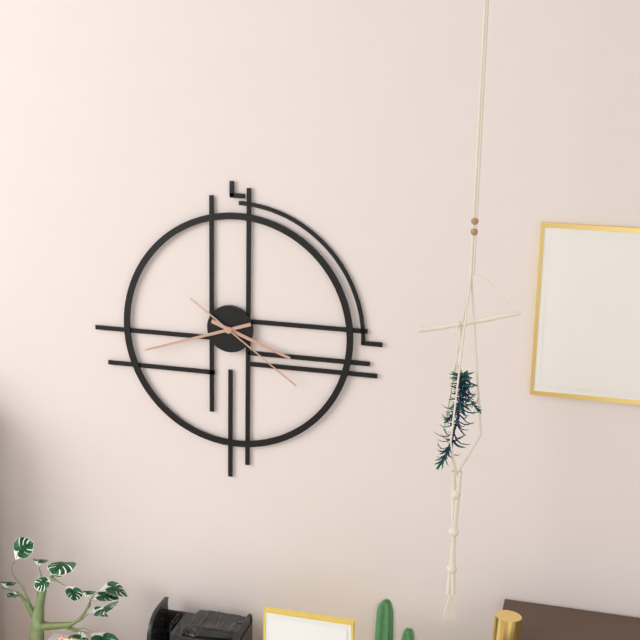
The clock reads 3h42m21s
